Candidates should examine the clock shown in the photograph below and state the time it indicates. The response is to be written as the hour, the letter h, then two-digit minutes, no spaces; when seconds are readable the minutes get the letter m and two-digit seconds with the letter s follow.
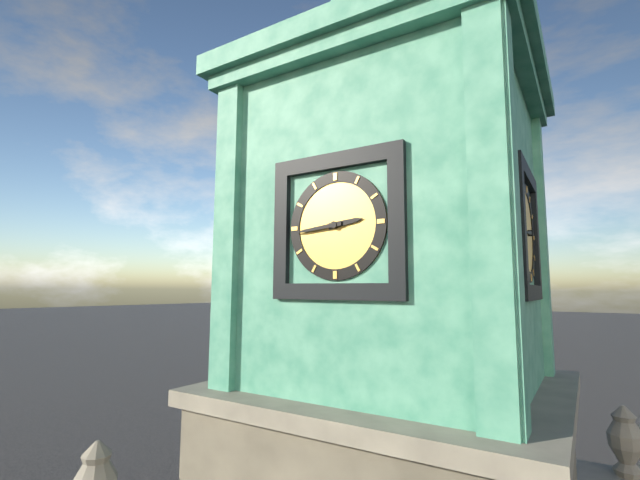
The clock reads 2h44
